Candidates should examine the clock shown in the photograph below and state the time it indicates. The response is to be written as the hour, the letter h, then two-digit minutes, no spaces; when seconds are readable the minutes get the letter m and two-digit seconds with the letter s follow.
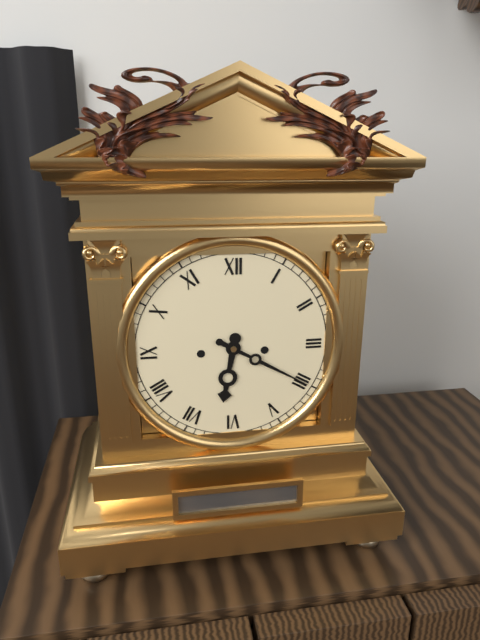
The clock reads 6h20
